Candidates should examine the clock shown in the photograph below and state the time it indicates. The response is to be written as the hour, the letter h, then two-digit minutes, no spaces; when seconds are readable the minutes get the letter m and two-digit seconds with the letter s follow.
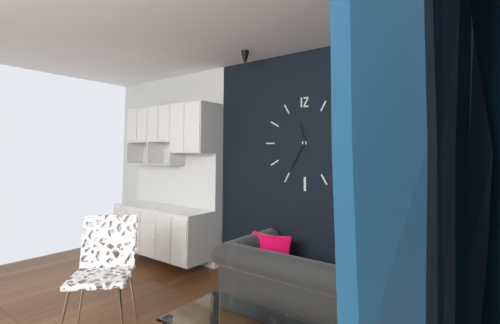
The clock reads 11h35
